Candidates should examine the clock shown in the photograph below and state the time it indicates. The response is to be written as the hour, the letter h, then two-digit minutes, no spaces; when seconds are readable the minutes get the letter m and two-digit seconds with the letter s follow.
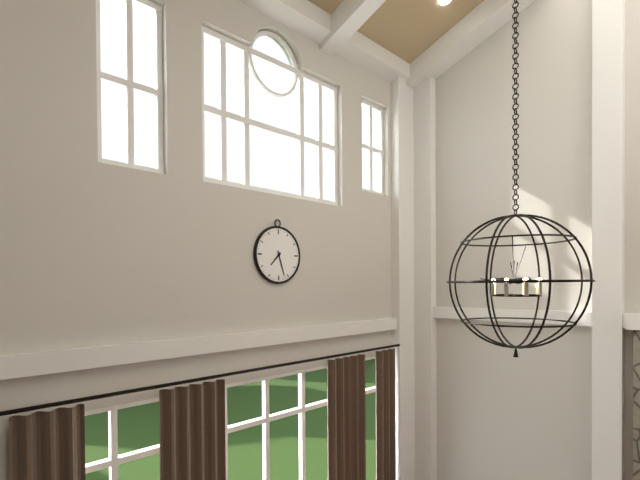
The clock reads 7h27
